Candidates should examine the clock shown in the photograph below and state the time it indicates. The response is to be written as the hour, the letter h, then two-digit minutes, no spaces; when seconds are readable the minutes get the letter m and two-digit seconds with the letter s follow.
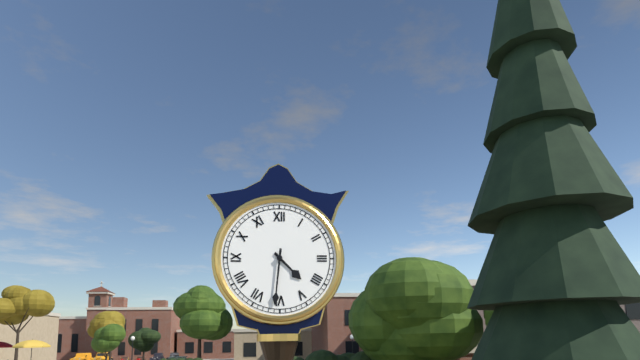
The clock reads 4h31
